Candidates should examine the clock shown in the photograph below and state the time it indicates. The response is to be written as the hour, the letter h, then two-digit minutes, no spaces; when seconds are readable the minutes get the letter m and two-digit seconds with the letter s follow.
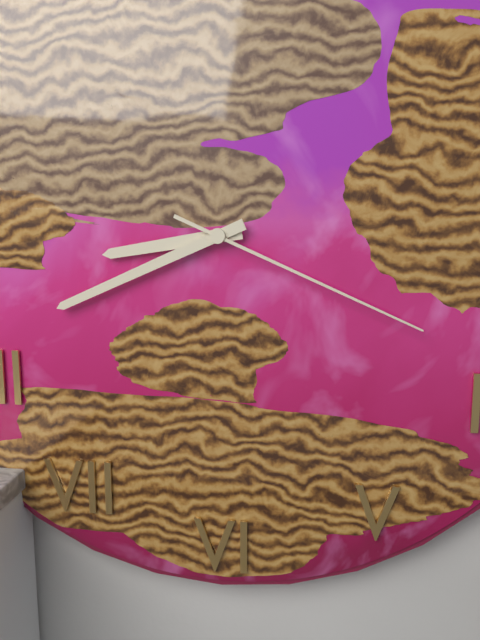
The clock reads 8h41m19s
